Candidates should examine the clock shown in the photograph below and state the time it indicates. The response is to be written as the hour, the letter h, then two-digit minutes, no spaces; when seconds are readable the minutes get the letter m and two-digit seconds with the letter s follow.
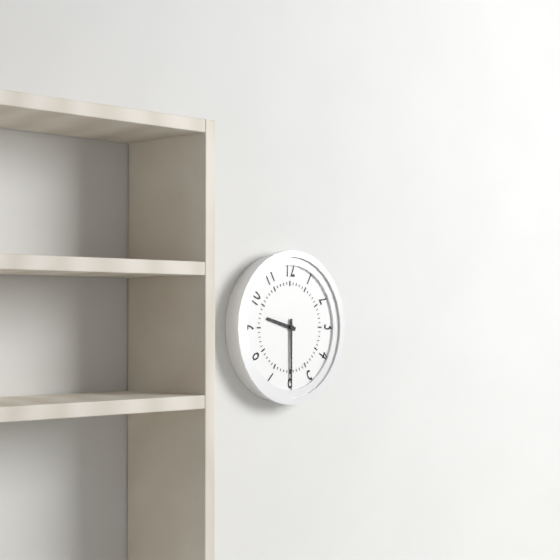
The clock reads 9h30
